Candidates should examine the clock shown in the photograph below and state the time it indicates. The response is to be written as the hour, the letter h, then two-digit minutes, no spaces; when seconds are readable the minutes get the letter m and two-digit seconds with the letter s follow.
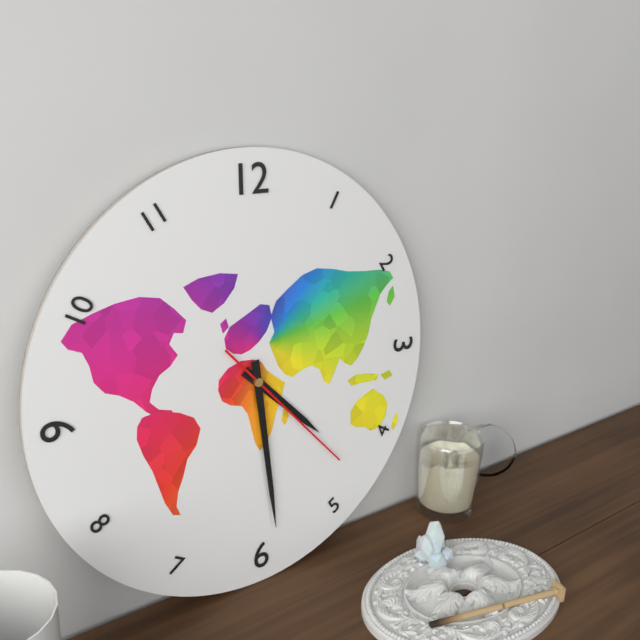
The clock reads 4h29m23s
